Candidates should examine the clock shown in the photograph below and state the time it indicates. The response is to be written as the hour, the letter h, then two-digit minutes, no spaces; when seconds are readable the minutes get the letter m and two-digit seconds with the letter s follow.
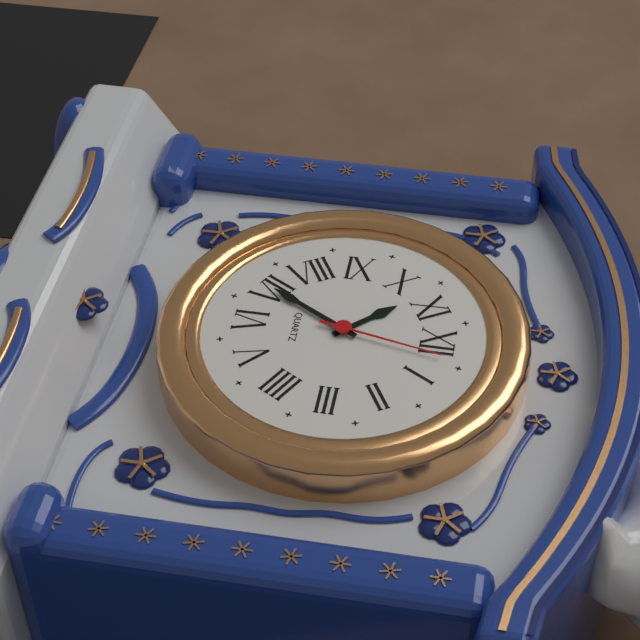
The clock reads 10h35m02s
